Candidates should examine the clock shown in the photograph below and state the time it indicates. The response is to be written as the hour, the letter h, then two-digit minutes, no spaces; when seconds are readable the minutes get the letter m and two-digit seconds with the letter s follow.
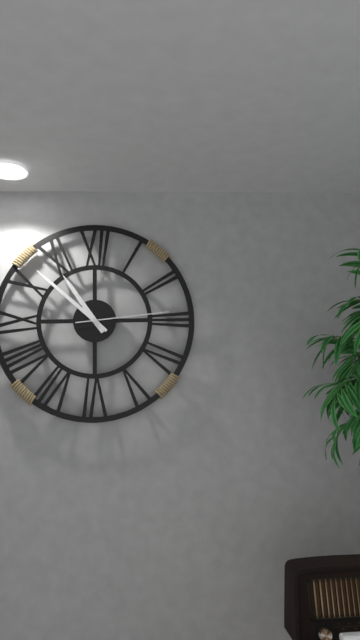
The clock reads 10h52m14s
